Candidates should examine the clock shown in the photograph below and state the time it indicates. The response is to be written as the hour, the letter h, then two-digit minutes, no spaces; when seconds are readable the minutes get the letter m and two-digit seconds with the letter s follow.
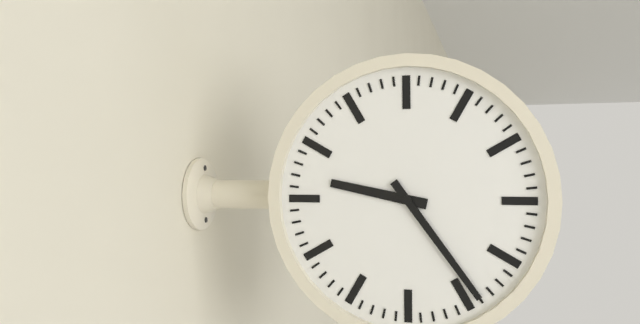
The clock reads 9h24
